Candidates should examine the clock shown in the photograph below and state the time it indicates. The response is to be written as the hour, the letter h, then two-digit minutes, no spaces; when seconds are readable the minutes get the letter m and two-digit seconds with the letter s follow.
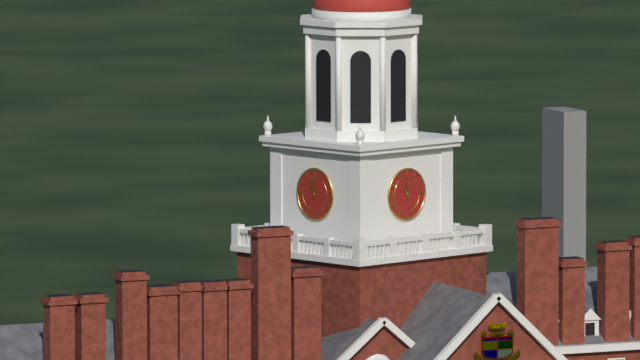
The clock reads 11h00
